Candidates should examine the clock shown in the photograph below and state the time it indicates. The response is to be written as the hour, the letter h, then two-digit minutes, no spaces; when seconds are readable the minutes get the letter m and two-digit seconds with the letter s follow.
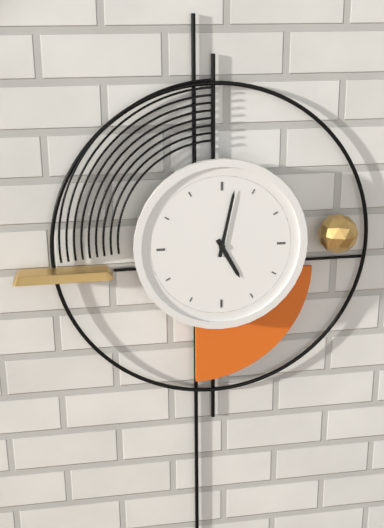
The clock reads 5h02
